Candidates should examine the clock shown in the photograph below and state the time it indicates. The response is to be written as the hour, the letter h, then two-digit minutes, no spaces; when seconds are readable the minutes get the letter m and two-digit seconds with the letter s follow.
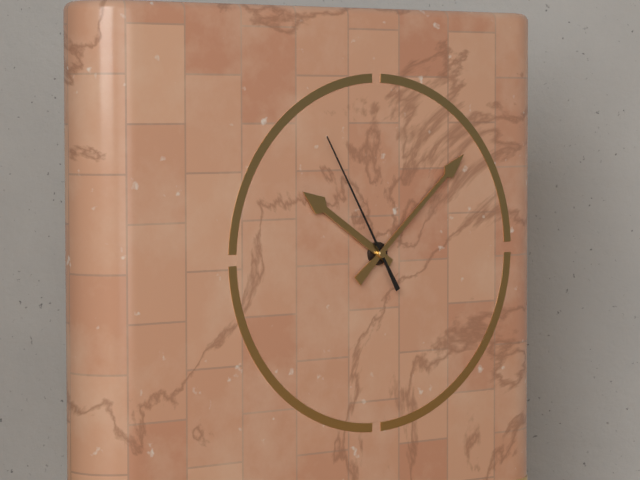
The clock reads 10h08m55s
